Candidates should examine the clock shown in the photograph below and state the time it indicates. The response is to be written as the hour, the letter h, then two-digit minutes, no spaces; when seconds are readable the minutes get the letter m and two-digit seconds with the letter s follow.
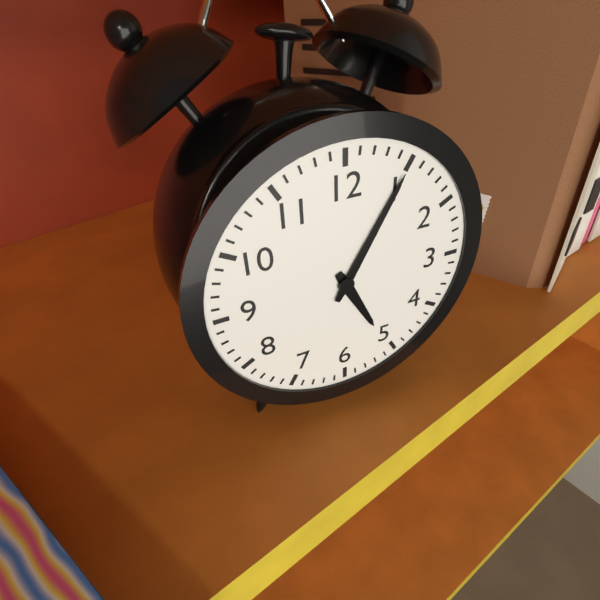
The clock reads 5h05
